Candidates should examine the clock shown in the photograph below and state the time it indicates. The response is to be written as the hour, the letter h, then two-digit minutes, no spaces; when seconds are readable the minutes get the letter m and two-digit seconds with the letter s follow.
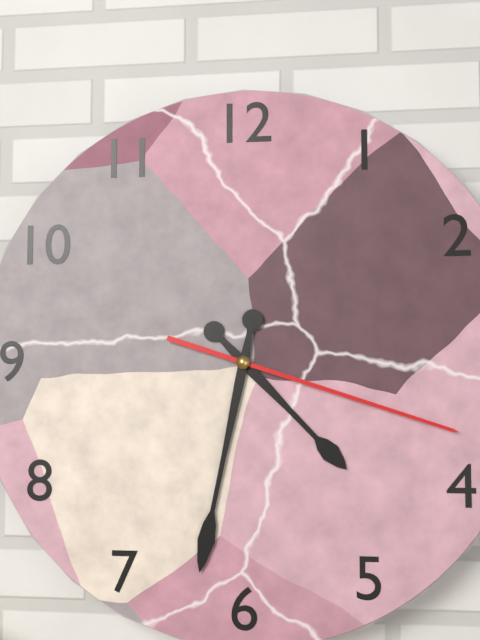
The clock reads 4h32m18s
